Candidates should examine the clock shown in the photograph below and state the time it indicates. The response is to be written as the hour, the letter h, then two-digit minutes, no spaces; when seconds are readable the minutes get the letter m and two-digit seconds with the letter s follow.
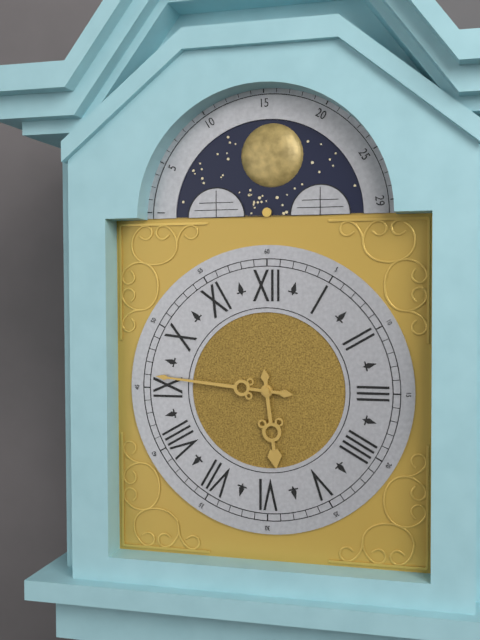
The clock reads 5h46
